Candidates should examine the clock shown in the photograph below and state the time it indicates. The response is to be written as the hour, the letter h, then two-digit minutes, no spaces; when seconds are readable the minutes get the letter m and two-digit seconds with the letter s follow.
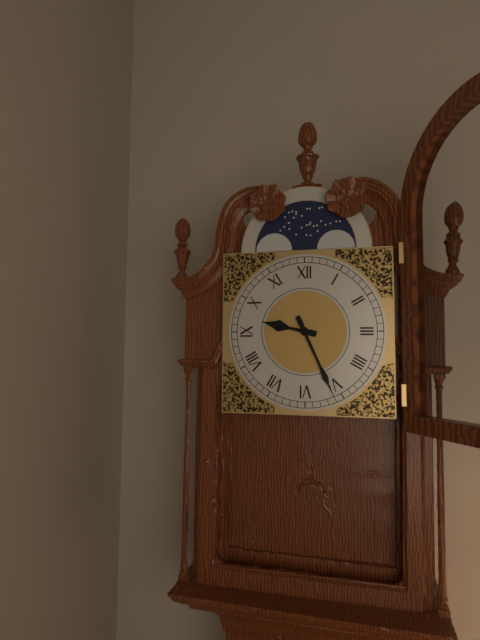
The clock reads 9h26
